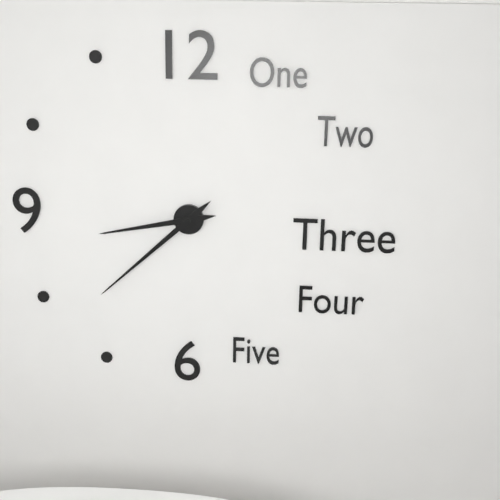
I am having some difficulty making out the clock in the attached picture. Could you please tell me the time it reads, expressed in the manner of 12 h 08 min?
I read 8 h 38 min
